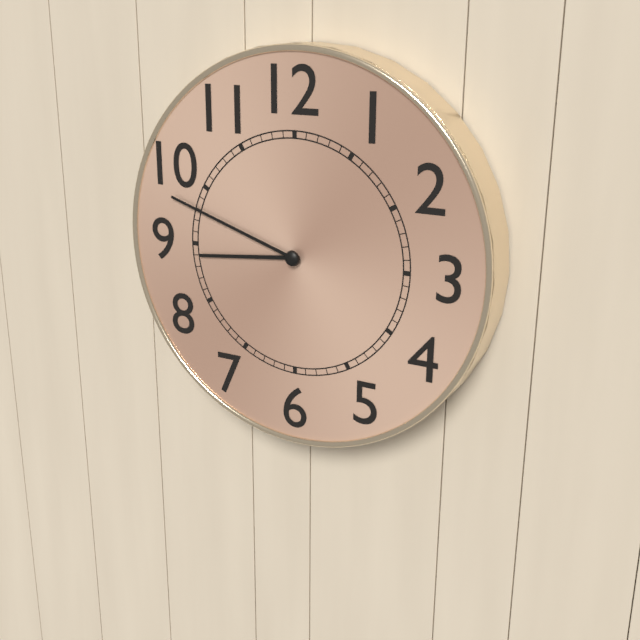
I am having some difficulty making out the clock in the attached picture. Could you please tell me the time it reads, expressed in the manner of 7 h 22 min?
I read 8 h 48 min
